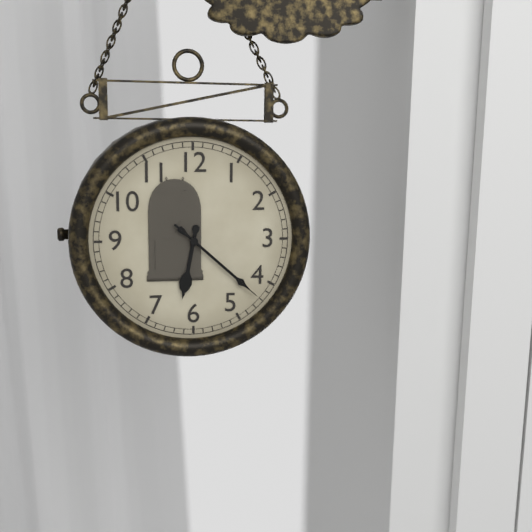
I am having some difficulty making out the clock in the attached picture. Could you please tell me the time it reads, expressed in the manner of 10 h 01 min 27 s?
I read 6 h 22 min 22 s
